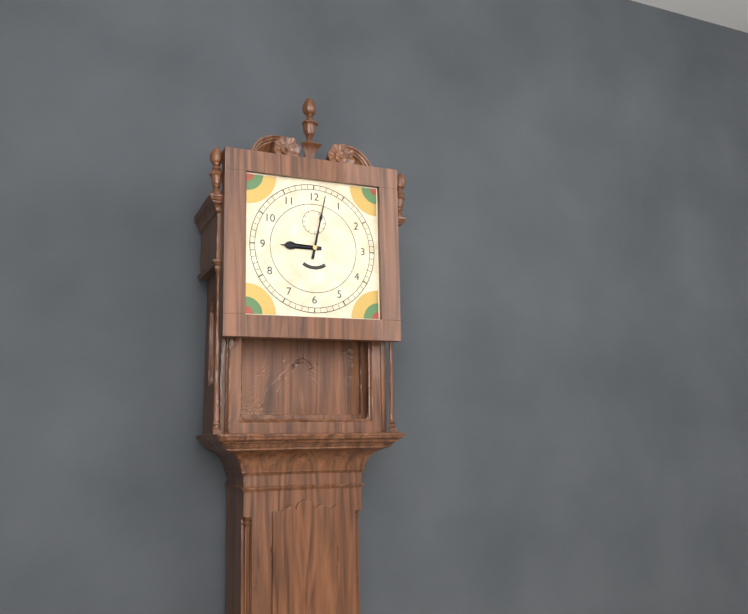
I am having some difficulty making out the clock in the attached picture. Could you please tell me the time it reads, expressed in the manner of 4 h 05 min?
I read 9 h 02 min
